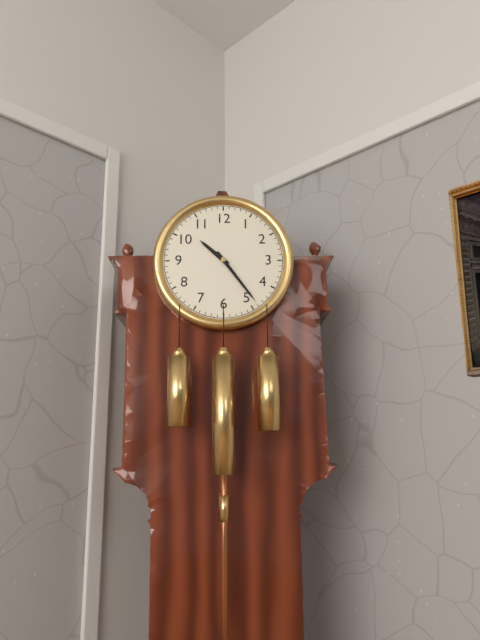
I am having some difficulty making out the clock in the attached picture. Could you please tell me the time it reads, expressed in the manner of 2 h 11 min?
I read 10 h 24 min
